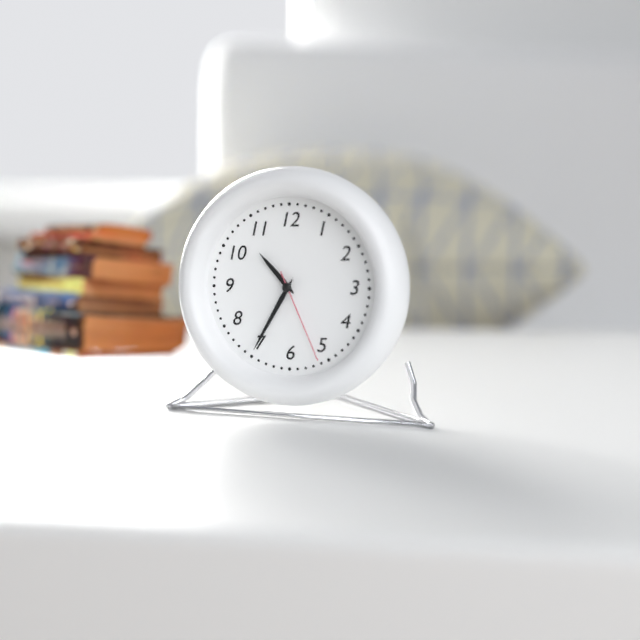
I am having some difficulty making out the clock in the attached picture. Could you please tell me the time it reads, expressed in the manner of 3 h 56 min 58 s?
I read 10 h 35 min 26 s
